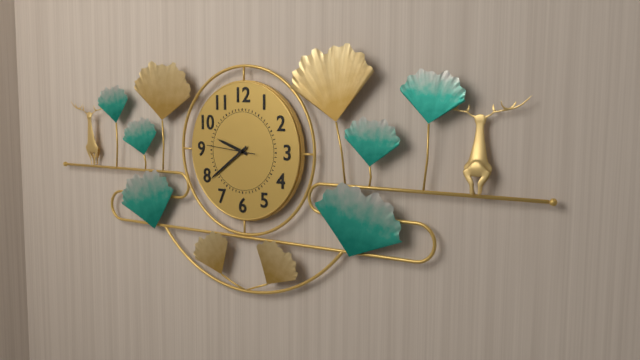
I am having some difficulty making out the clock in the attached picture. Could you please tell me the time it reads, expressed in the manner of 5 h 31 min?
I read 9 h 39 min
